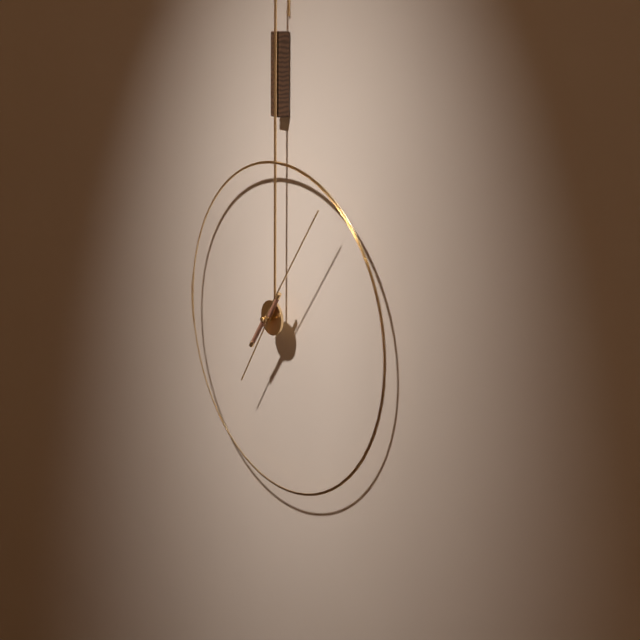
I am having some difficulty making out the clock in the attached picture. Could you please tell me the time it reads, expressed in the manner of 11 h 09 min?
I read 7 h 06 min
